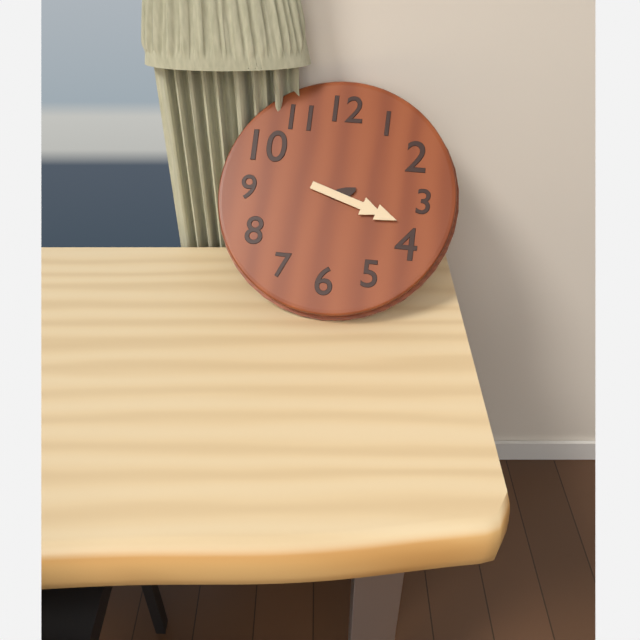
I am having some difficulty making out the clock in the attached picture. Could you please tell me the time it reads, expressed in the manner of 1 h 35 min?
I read 2 h 18 min
